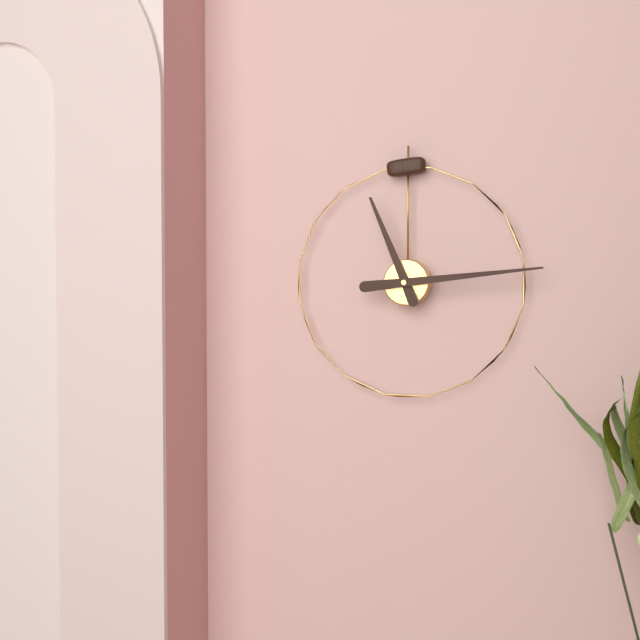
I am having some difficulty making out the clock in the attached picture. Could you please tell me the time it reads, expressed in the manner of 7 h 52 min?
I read 11 h 14 min
